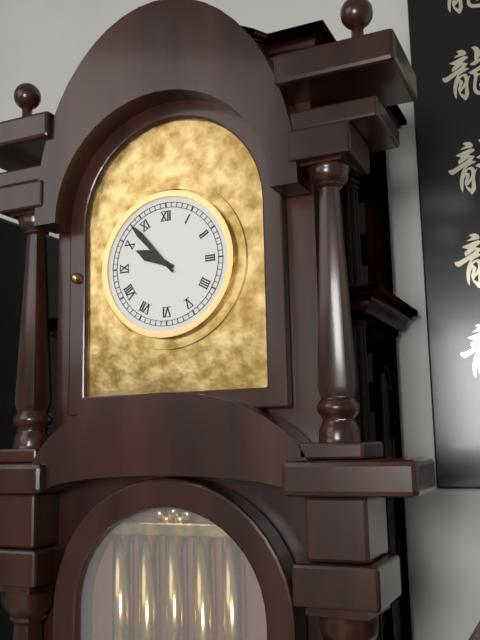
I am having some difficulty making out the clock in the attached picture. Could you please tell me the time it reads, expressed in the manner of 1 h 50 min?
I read 9 h 53 min
